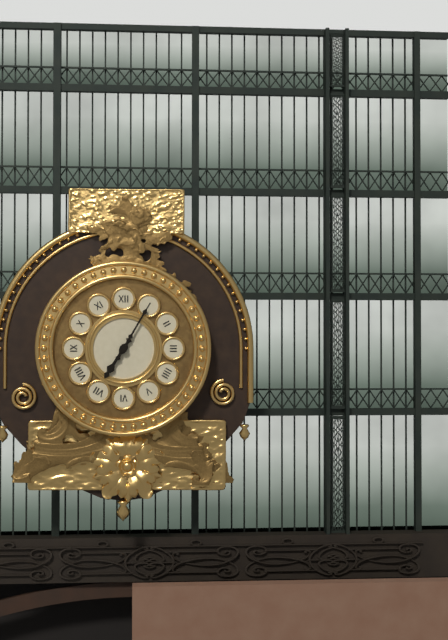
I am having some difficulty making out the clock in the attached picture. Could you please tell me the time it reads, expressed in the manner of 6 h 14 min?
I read 7 h 05 min
